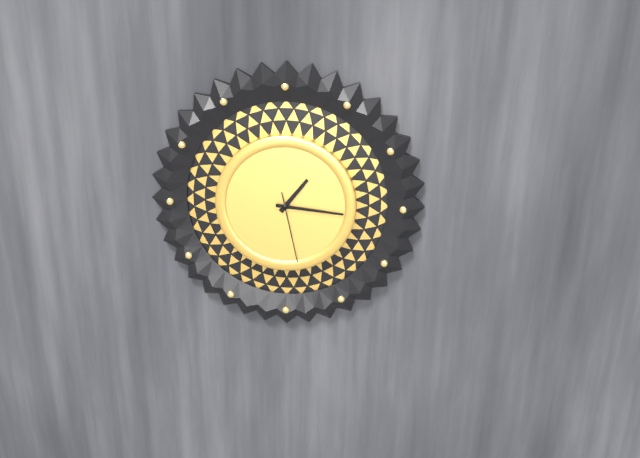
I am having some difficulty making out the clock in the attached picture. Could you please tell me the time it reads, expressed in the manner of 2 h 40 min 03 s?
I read 1 h 16 min 28 s
